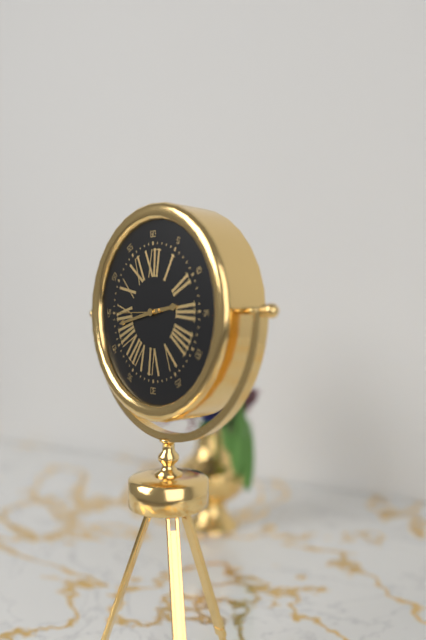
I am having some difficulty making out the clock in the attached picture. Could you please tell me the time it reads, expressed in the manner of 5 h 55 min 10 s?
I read 2 h 43 min 45 s
